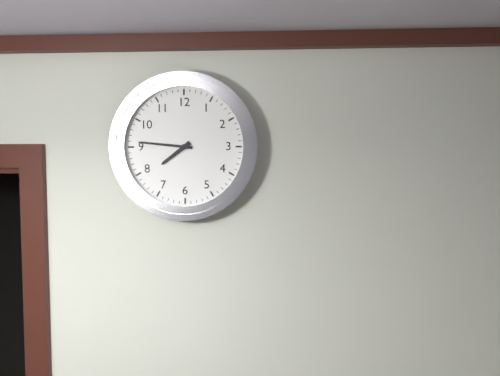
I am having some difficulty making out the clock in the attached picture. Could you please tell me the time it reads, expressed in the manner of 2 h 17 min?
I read 7 h 46 min
